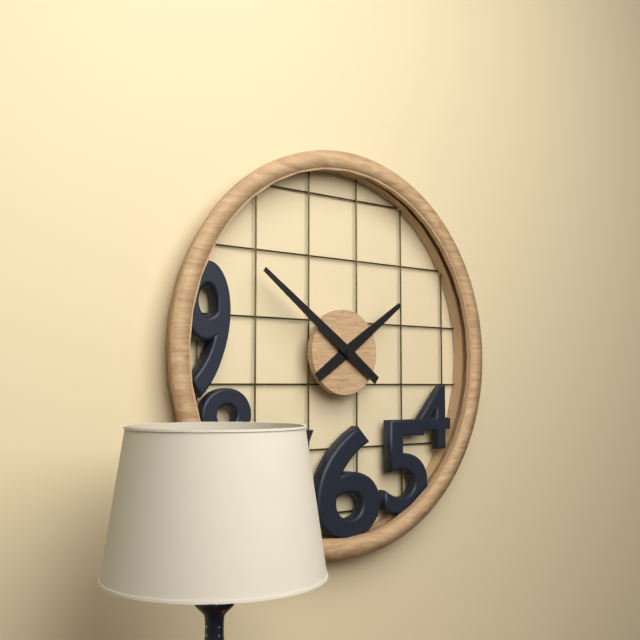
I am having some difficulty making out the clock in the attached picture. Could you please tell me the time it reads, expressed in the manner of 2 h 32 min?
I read 1 h 51 min
